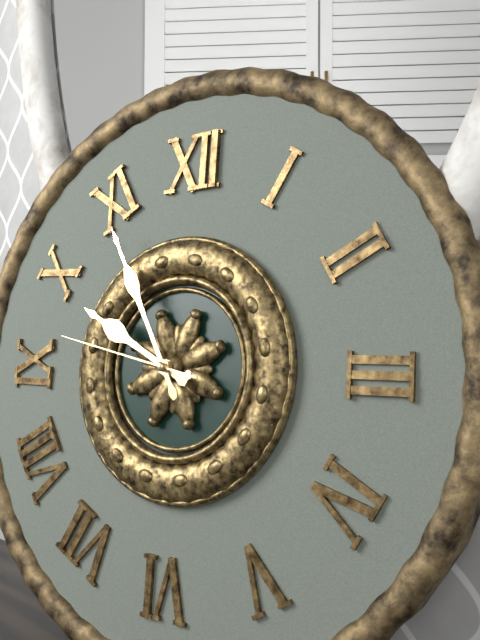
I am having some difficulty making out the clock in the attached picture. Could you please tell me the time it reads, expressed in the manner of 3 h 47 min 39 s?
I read 9 h 55 min 47 s
